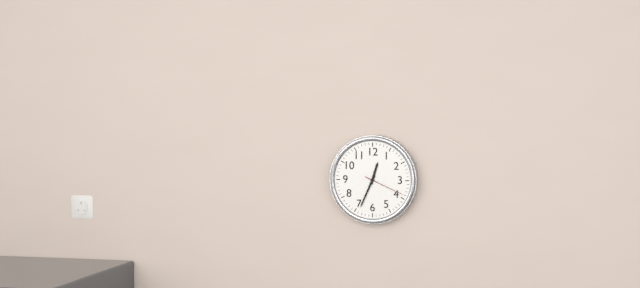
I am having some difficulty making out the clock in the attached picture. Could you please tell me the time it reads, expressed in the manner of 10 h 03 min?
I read 12 h 34 min
